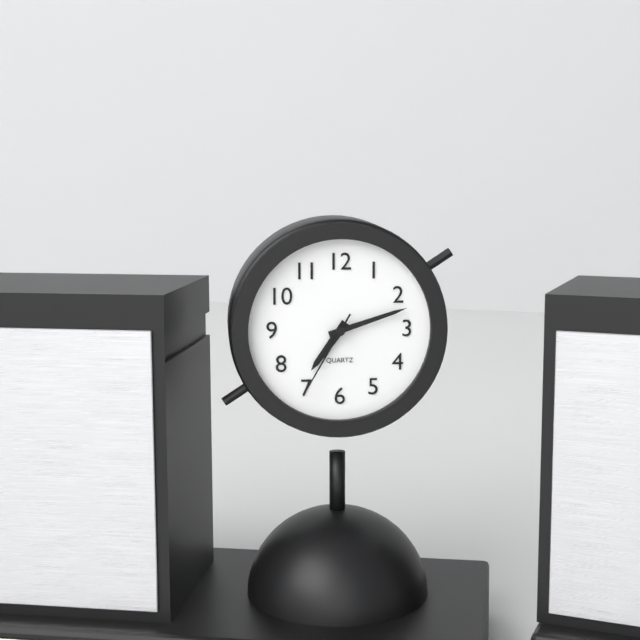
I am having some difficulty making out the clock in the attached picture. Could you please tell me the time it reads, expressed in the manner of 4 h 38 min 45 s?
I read 7 h 12 min 35 s
